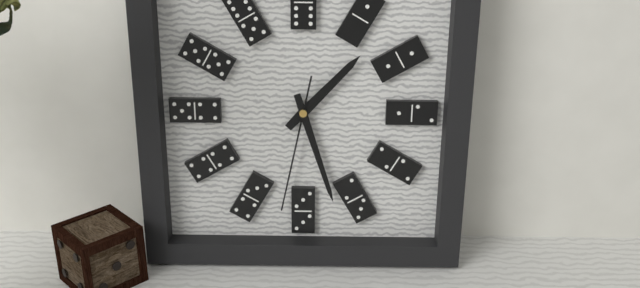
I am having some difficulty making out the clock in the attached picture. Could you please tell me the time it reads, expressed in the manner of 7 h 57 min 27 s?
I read 1 h 27 min 32 s
